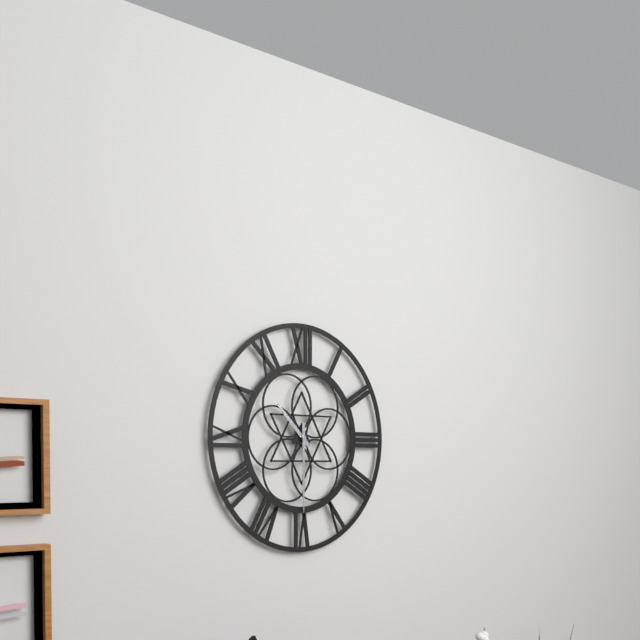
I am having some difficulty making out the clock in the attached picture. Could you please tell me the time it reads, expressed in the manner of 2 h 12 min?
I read 10 h 30 min
